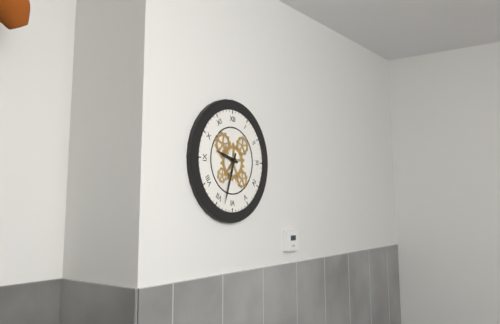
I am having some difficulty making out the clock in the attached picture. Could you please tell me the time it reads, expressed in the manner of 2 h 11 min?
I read 9 h 33 min
